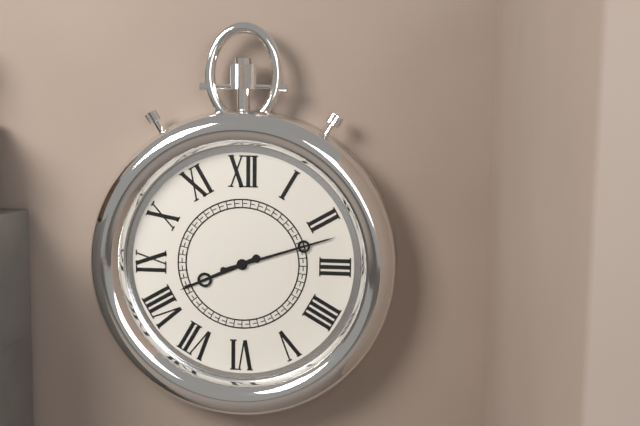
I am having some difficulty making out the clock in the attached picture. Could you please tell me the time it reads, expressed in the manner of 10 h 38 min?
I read 8 h 12 min
